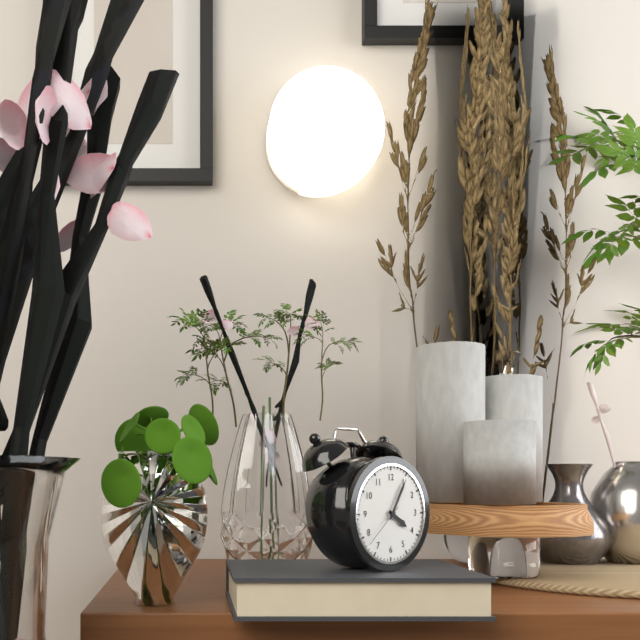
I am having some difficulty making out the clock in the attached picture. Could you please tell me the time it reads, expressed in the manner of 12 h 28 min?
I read 4 h 05 min
